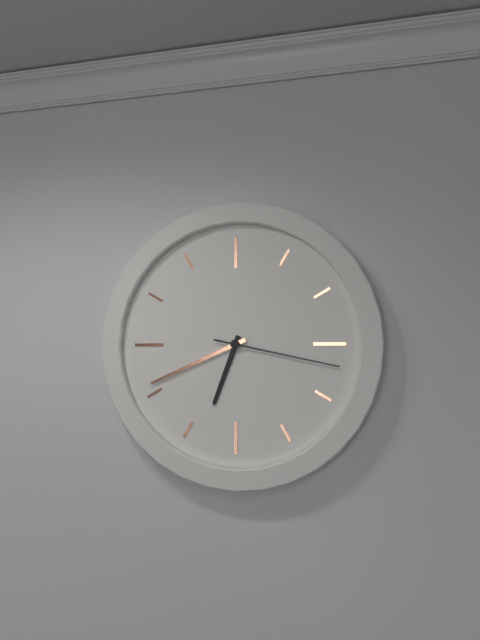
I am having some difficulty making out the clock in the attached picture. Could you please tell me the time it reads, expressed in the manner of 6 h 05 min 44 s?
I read 6 h 41 min 17 s
